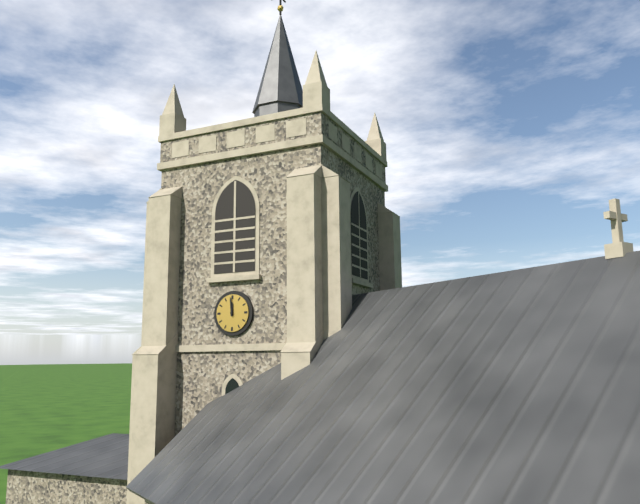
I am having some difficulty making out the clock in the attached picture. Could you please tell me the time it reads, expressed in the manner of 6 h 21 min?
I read 11 h 59 min
